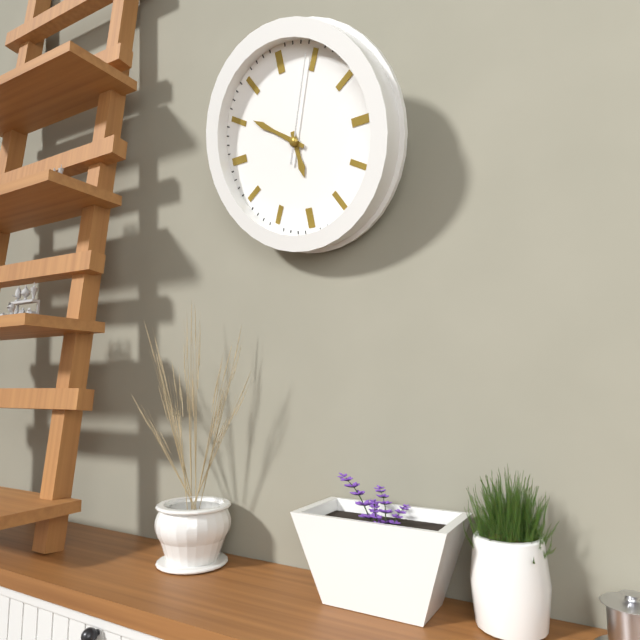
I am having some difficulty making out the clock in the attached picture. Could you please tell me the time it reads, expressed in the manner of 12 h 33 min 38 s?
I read 5 h 51 min 04 s
